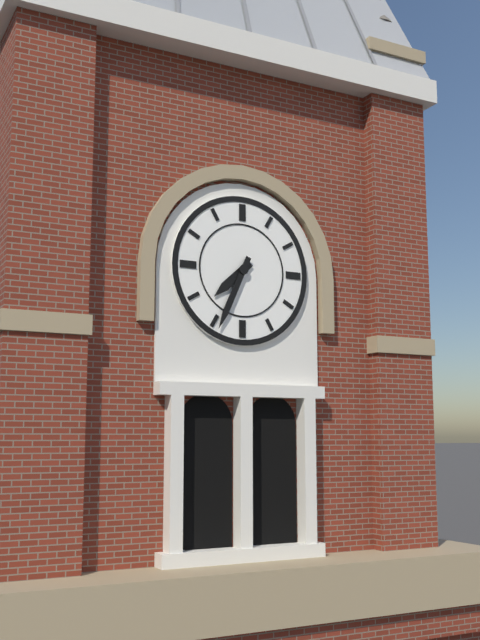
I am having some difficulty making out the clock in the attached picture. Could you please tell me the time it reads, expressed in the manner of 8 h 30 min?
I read 7 h 34 min
